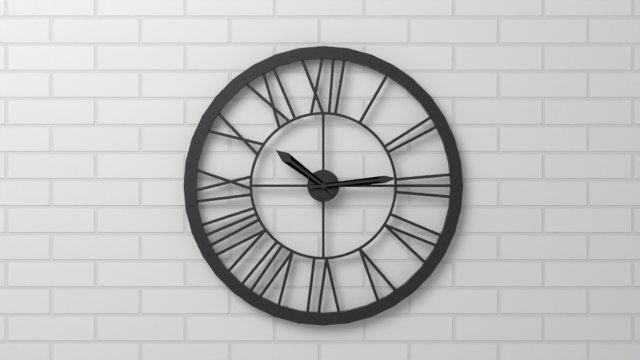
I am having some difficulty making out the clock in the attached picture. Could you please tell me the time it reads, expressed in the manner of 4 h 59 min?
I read 10 h 14 min
